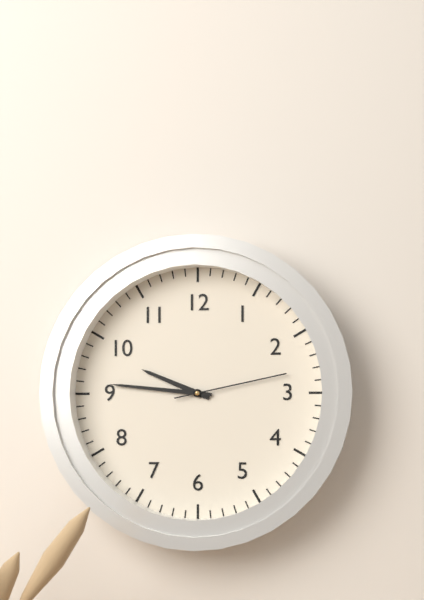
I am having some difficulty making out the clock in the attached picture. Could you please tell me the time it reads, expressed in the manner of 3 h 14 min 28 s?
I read 9 h 46 min 13 s
